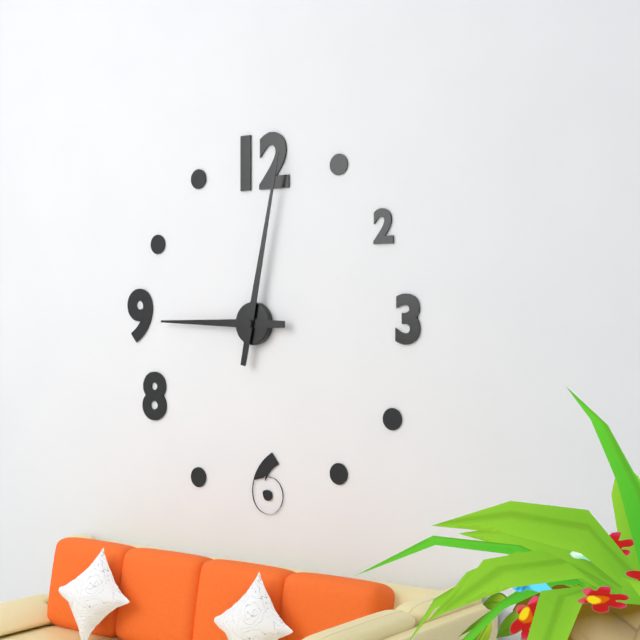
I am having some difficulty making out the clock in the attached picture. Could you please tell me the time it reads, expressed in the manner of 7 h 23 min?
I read 9 h 02 min
